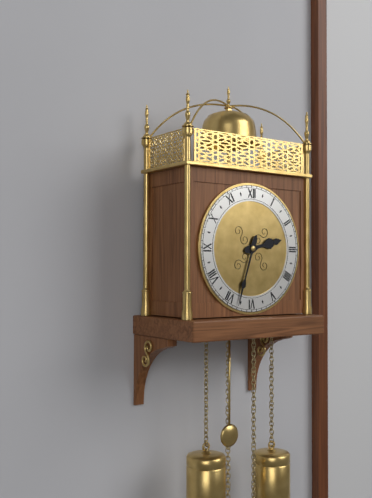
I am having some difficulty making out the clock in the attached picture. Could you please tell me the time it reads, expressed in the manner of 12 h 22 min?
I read 2 h 33 min
